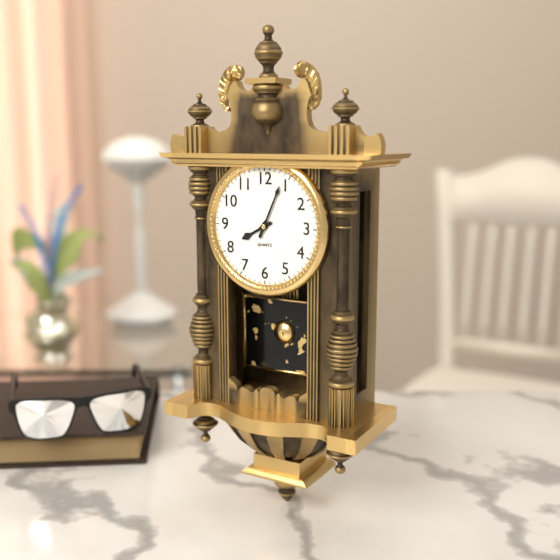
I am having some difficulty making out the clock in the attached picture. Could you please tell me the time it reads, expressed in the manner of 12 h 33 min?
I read 8 h 04 min
